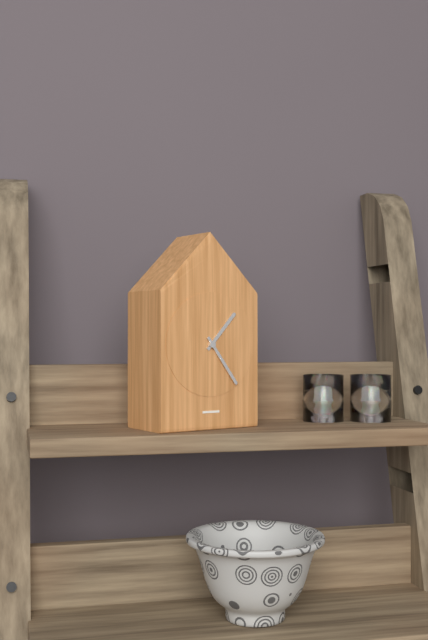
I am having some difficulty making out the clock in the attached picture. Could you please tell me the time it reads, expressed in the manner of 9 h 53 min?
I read 1 h 24 min
